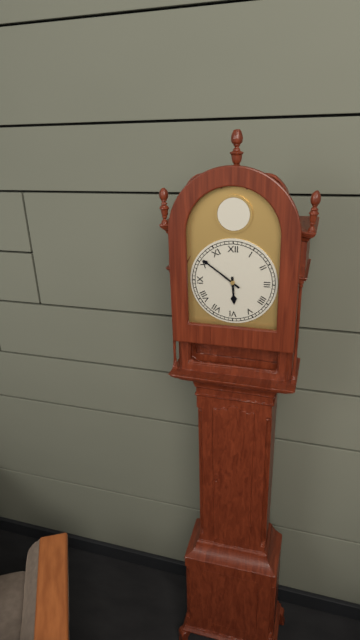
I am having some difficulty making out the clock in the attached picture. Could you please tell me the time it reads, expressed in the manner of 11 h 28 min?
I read 5 h 51 min
